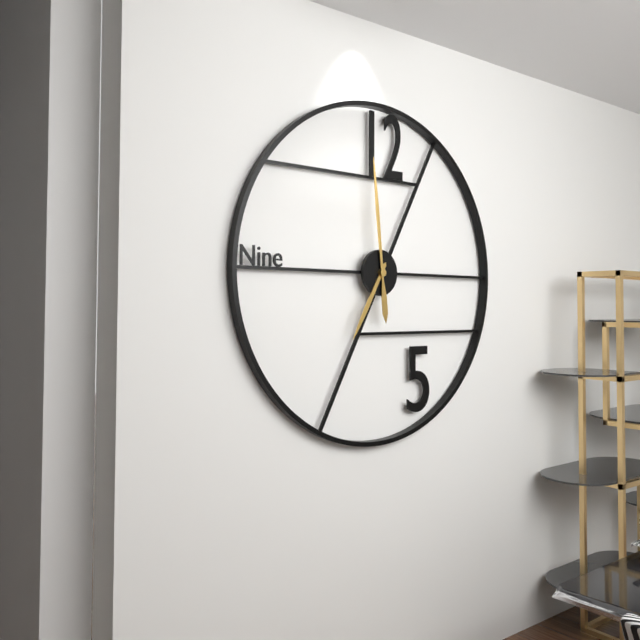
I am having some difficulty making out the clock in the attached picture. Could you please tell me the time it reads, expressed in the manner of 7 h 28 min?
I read 6 h 59 min
